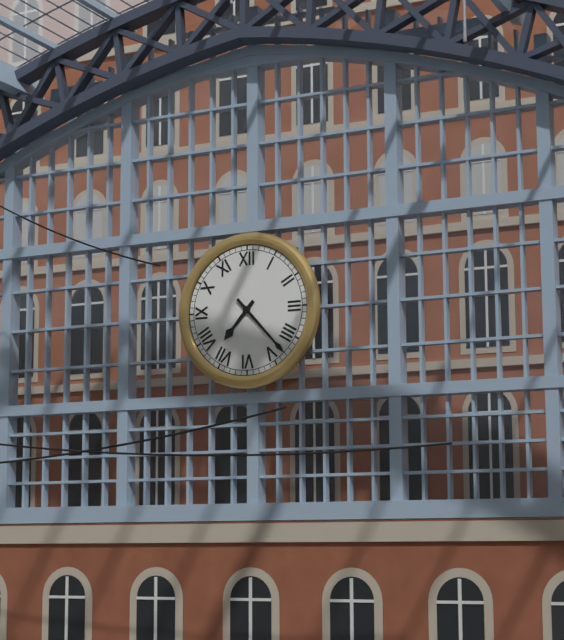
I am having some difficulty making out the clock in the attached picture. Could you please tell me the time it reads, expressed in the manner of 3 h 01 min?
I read 7 h 23 min
